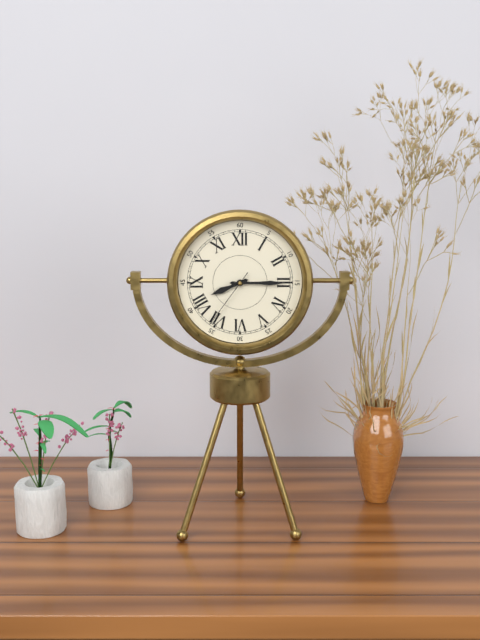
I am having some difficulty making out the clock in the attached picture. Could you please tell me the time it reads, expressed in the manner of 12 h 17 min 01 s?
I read 8 h 15 min 36 s
